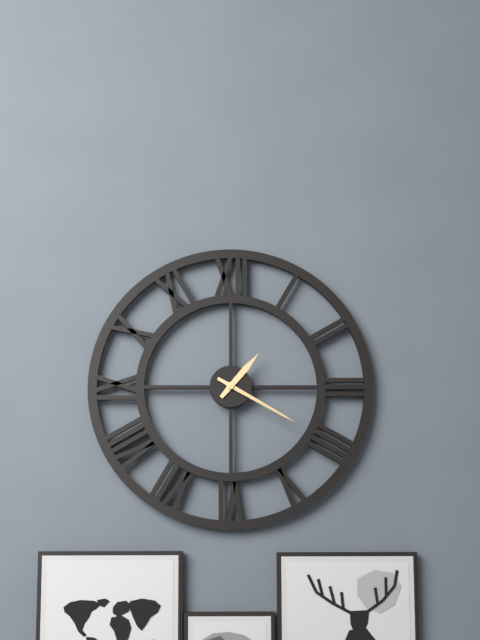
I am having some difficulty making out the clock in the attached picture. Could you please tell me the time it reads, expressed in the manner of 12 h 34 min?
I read 1 h 20 min
